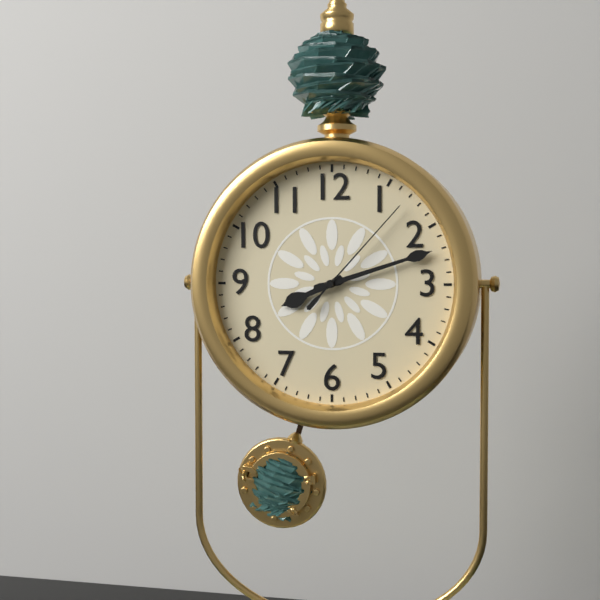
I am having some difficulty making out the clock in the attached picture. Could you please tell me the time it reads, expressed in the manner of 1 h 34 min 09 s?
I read 8 h 12 min 07 s
